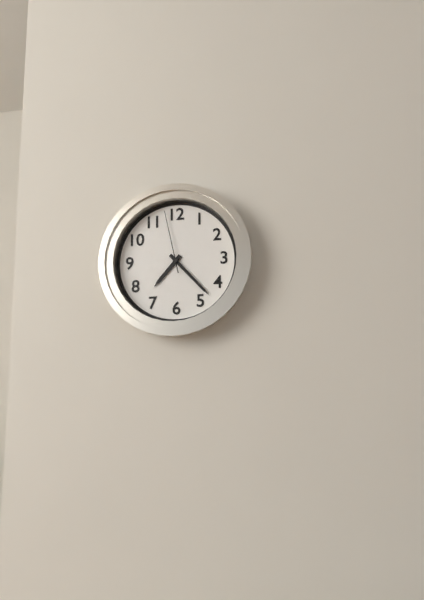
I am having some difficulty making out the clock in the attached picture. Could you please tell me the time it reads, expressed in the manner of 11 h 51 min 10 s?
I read 7 h 23 min 58 s
